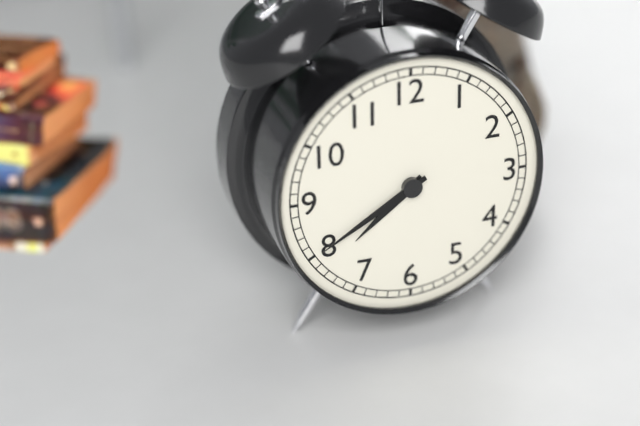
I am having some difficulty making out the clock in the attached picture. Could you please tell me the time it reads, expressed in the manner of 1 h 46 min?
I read 7 h 40 min
